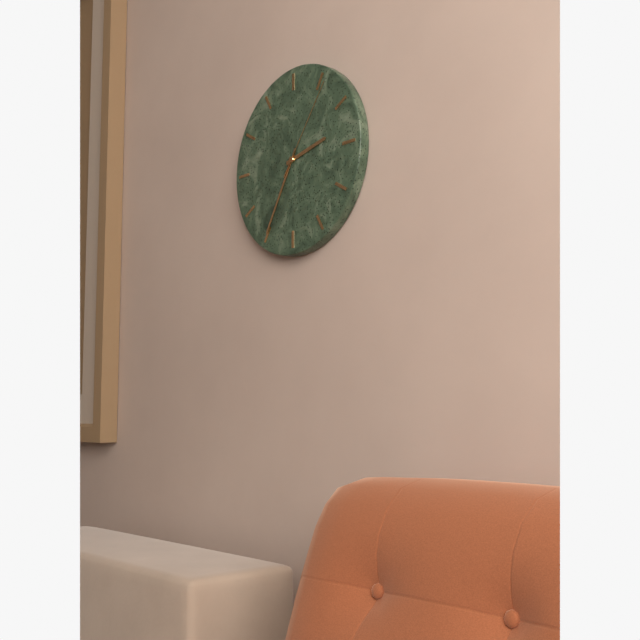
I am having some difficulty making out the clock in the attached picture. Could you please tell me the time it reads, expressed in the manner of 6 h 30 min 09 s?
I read 2 h 35 min 06 s
